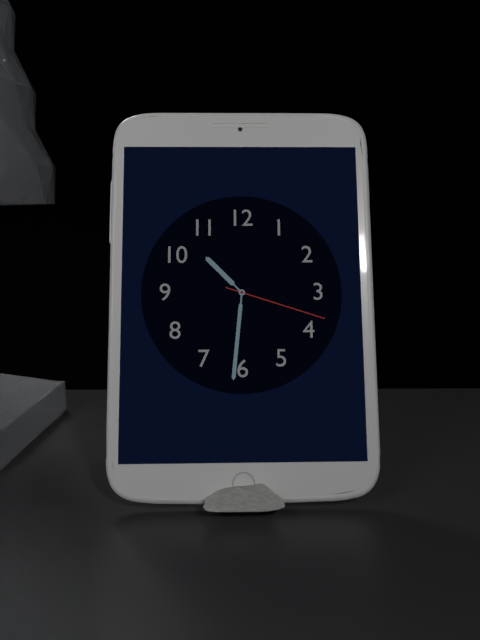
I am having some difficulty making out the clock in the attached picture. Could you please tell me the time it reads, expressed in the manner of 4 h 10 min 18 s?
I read 10 h 31 min 18 s
